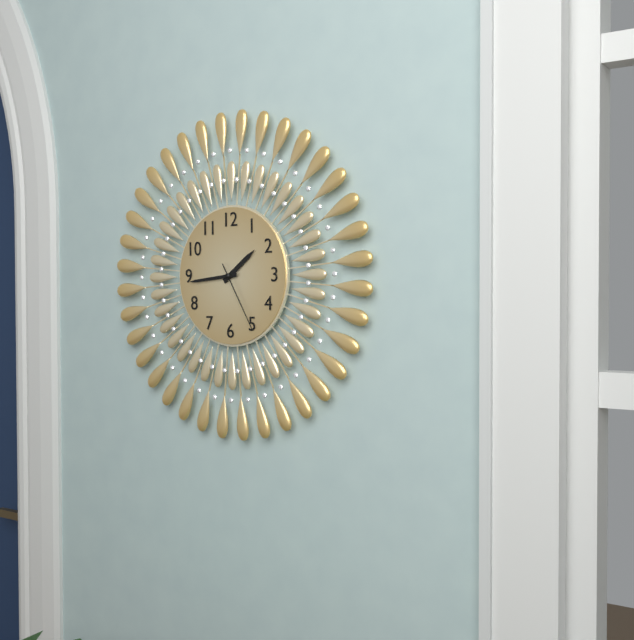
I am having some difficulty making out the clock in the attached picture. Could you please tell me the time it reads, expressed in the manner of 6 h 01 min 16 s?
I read 1 h 44 min 25 s
